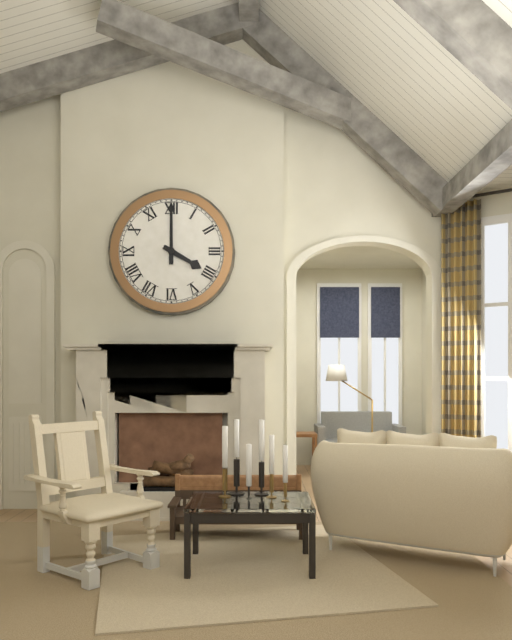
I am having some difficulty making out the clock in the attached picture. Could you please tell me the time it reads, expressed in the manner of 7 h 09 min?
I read 4 h 00 min
